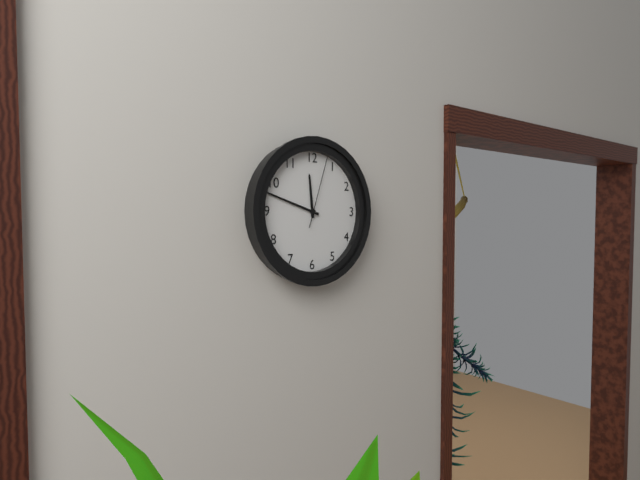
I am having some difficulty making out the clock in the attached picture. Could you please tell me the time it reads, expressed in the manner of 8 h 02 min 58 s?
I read 11 h 48 min 03 s
